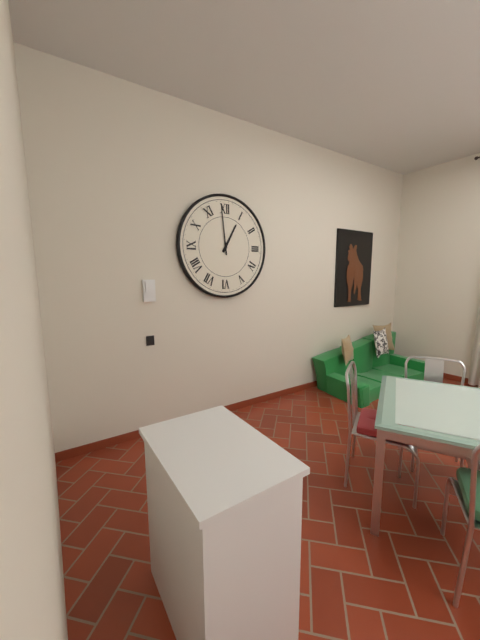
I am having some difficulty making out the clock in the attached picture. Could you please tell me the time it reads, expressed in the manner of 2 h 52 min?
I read 12 h 59 min
